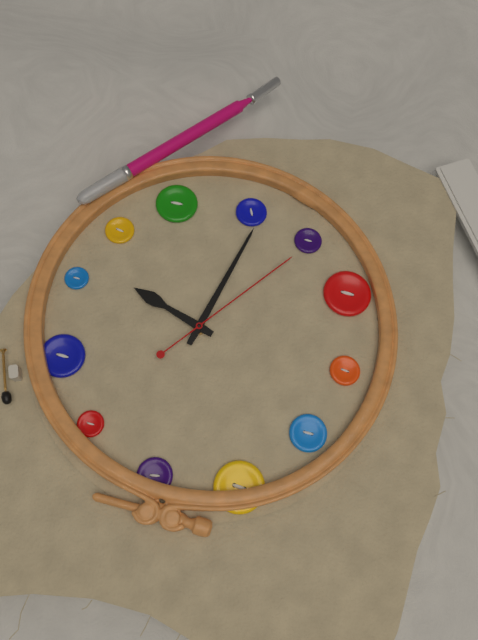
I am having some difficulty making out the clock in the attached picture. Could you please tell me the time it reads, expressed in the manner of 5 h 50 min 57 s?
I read 3 h 32 min 36 s
